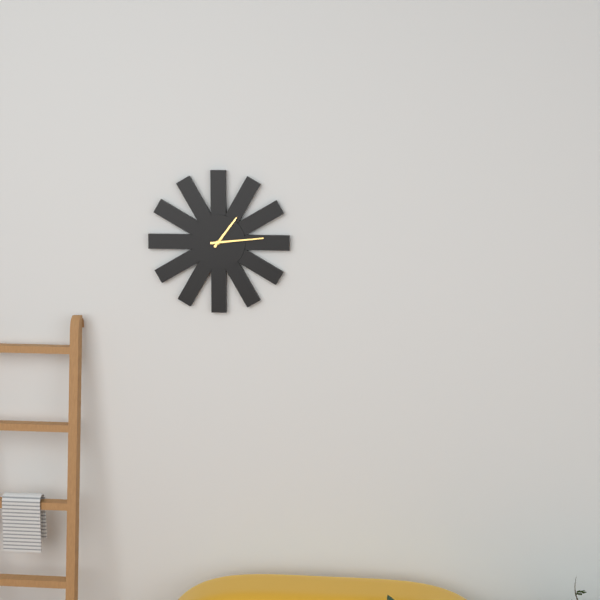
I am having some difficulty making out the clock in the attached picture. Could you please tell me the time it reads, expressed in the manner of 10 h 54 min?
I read 1 h 14 min
